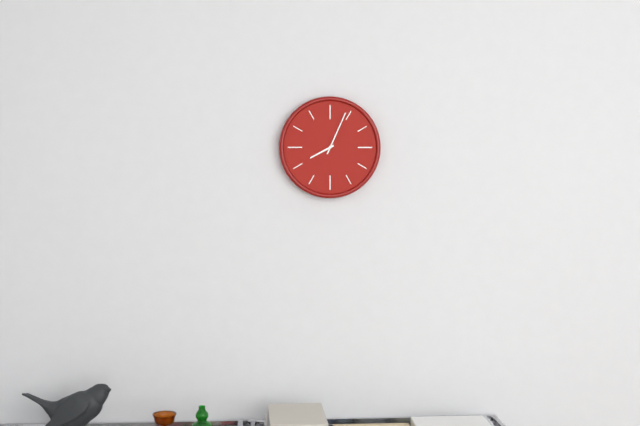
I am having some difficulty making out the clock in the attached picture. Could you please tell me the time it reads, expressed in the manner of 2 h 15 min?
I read 8 h 04 min
